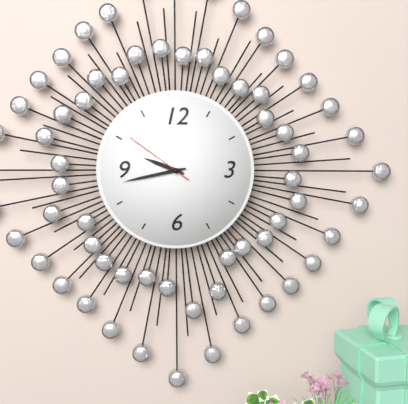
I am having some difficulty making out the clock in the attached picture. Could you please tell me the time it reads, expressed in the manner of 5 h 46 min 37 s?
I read 9 h 43 min 51 s
